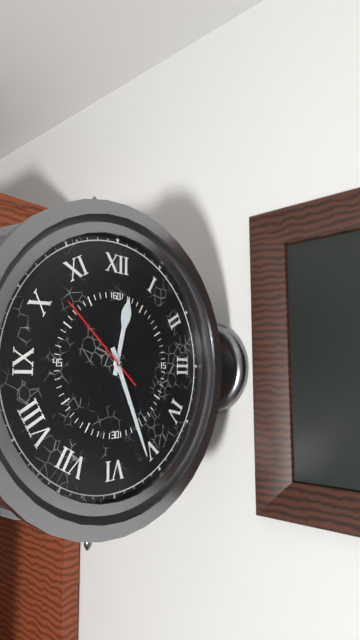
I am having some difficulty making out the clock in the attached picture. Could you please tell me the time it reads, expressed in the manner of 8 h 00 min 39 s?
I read 12 h 26 min 52 s
